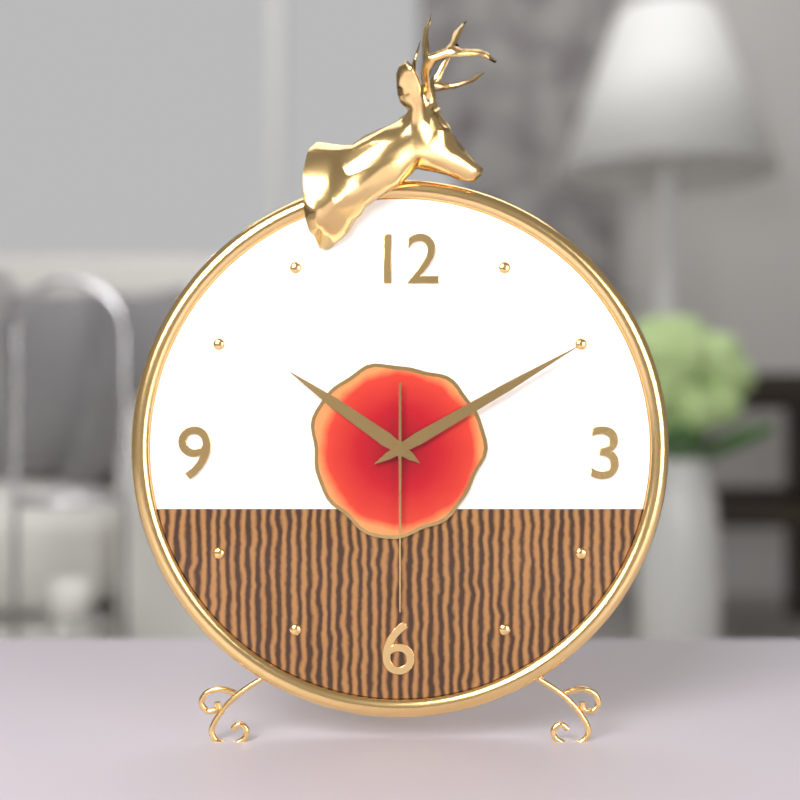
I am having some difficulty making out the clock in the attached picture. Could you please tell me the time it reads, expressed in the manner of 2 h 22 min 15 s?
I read 10 h 10 min 30 s
